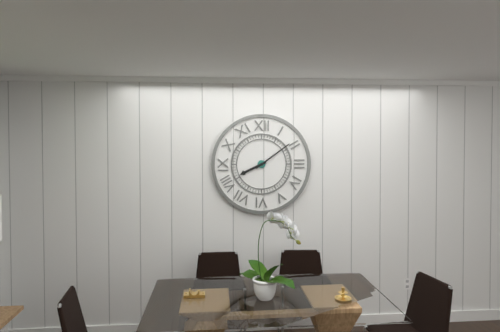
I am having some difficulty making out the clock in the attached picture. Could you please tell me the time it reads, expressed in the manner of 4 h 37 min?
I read 8 h 09 min
